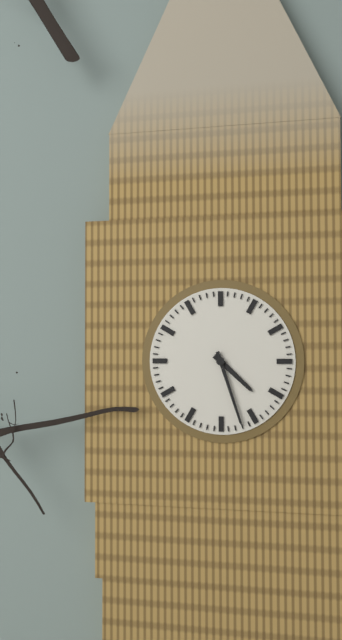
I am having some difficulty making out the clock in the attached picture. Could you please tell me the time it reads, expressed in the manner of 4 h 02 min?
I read 4 h 27 min
